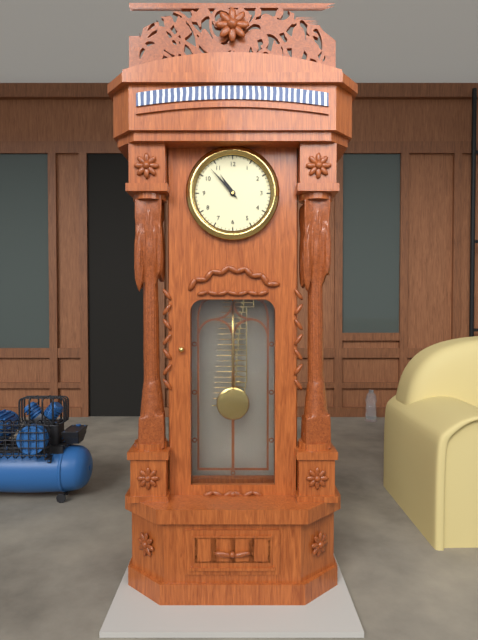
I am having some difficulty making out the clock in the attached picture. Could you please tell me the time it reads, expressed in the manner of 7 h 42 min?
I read 10 h 53 min
